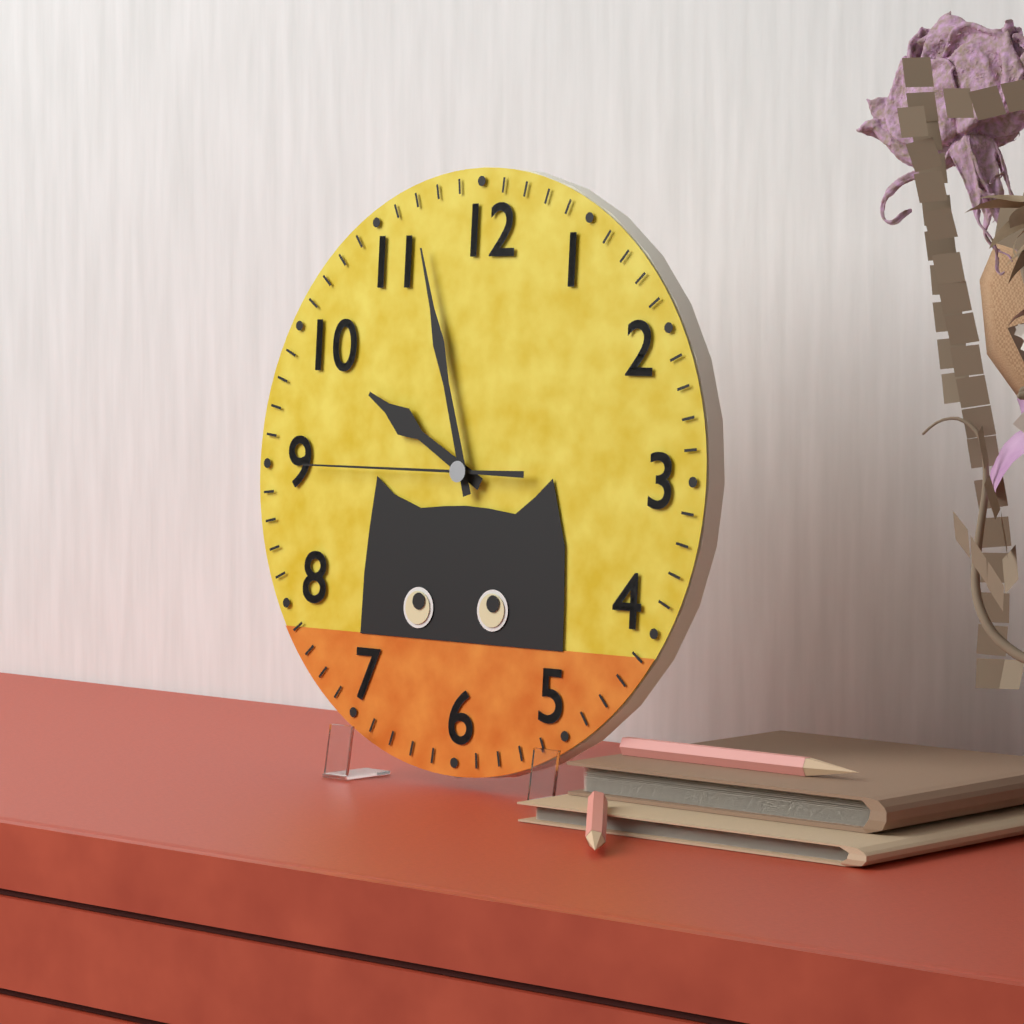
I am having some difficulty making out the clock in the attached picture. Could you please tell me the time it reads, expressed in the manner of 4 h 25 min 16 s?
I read 9 h 57 min 45 s
